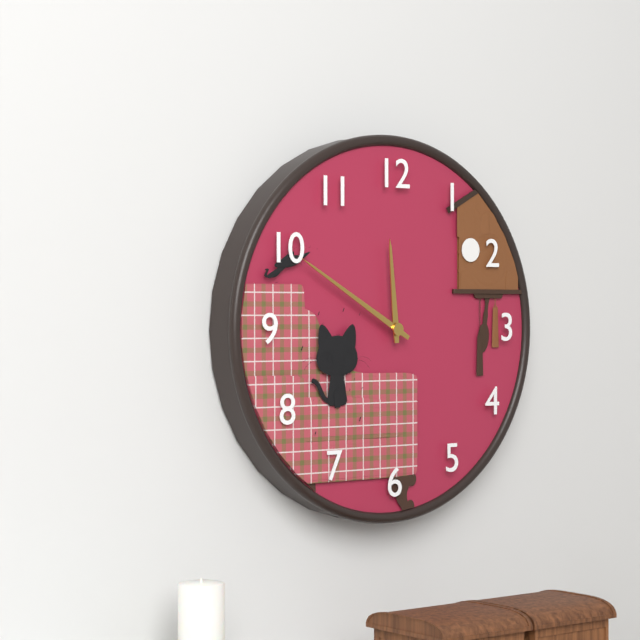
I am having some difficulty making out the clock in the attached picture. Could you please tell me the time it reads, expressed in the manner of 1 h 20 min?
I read 11 h 50 min
